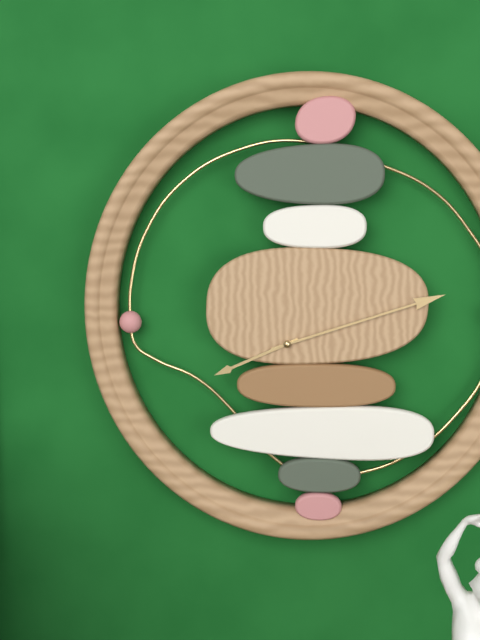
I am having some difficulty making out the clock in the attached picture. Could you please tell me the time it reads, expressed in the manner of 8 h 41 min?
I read 8 h 12 min
